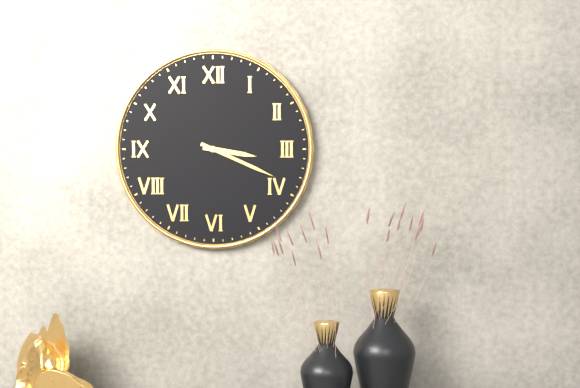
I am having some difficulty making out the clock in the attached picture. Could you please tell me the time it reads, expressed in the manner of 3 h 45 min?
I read 3 h 19 min
